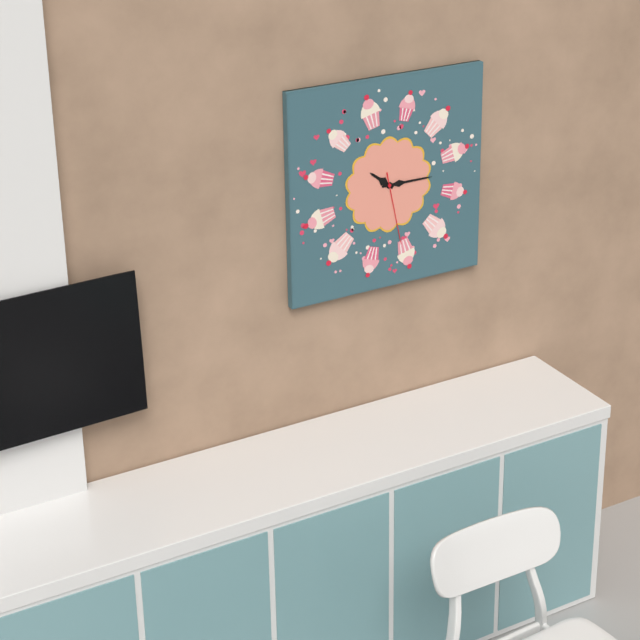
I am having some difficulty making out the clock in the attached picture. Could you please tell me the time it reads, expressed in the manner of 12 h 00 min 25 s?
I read 10 h 15 min 28 s
